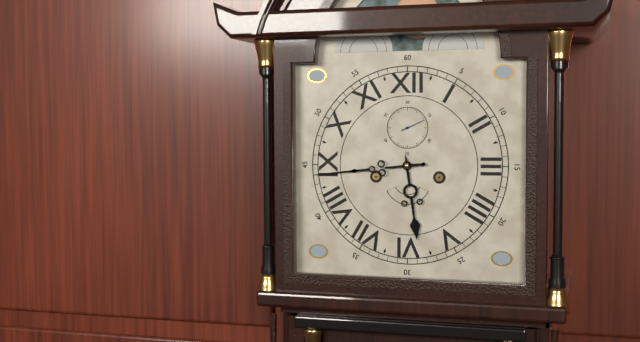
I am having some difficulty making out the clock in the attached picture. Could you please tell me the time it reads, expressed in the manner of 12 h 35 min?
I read 5 h 44 min
